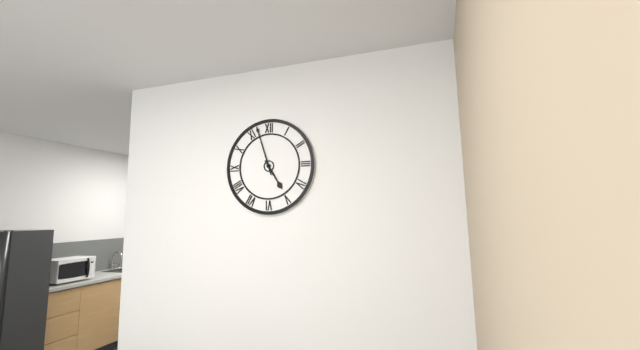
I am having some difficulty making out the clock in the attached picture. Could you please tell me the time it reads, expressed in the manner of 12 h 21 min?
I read 4 h 57 min
